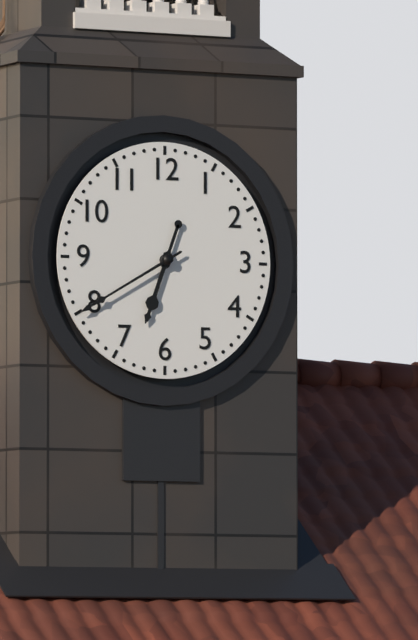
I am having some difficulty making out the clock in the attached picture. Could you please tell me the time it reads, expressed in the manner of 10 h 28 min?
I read 6 h 40 min
